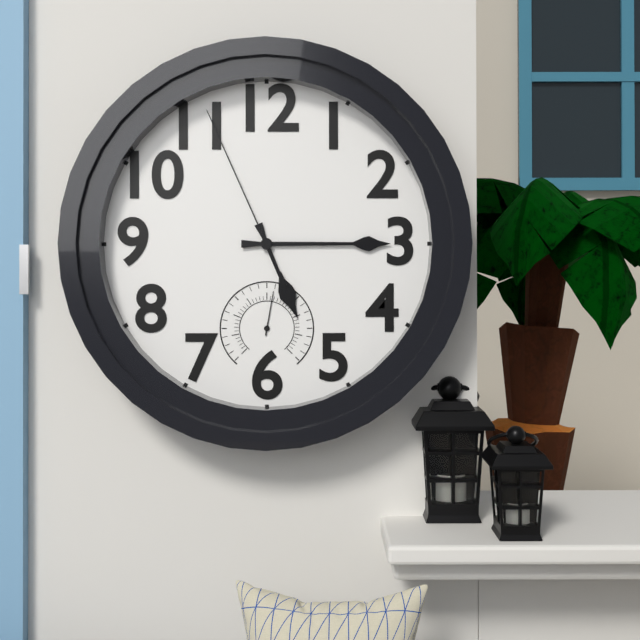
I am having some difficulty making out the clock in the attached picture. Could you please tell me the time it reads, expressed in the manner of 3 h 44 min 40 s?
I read 5 h 15 min 56 s
